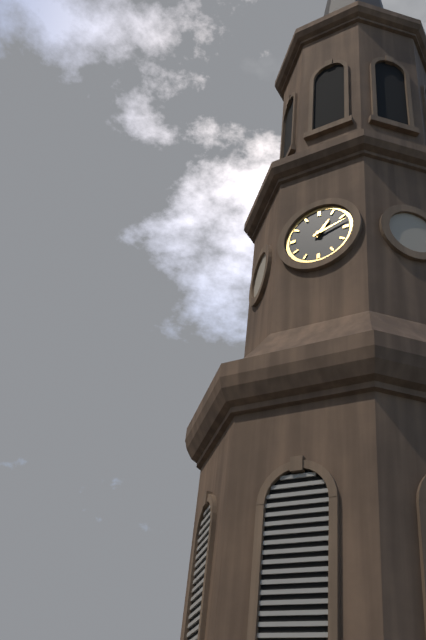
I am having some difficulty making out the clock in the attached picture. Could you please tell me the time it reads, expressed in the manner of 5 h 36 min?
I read 1 h 12 min
